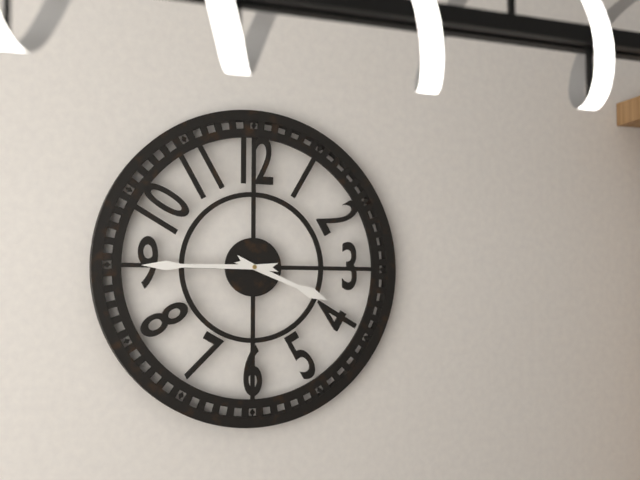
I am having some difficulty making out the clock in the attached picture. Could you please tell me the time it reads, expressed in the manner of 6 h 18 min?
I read 3 h 45 min
